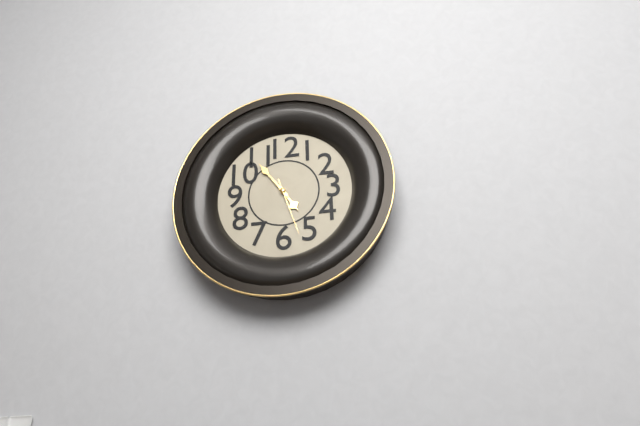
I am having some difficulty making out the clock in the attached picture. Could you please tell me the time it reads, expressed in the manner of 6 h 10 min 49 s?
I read 4 h 54 min 27 s
